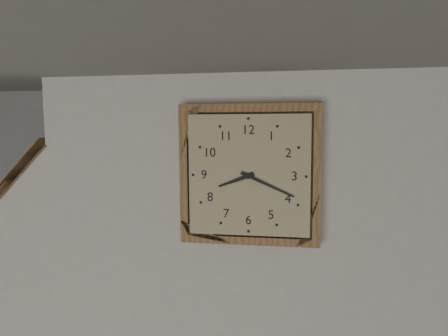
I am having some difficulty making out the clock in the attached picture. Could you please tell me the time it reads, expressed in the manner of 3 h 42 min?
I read 8 h 19 min
